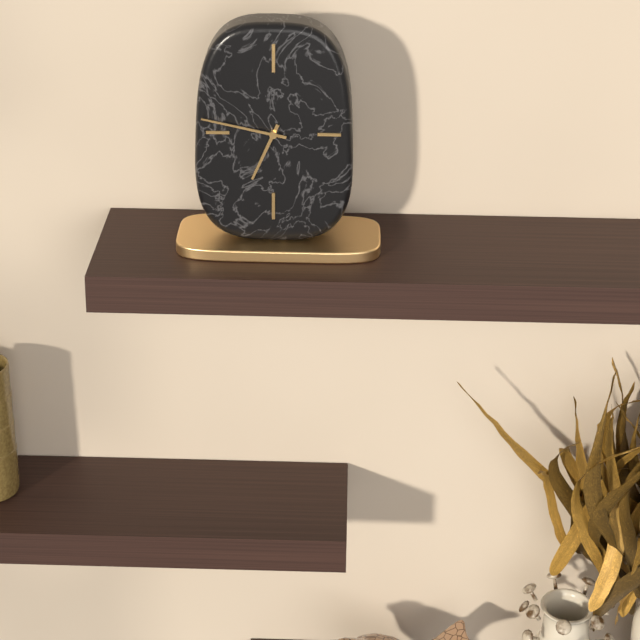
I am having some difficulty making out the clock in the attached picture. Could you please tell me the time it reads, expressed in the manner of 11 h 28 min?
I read 6 h 47 min
